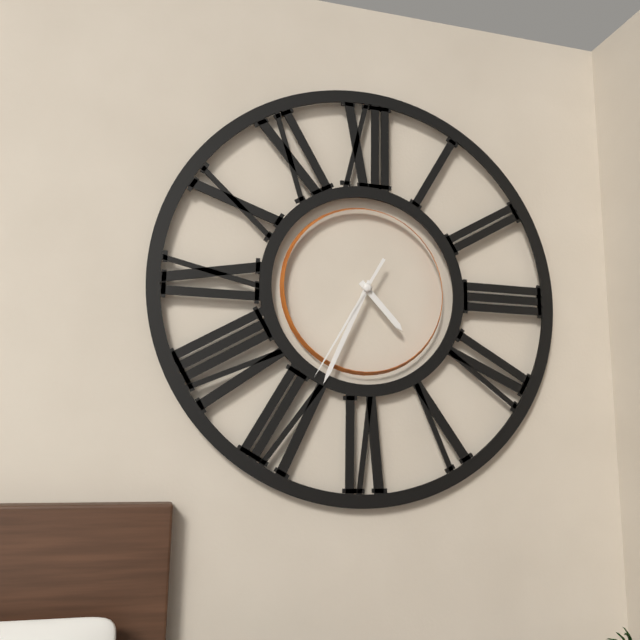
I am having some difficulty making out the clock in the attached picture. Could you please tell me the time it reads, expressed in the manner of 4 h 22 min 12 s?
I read 4 h 34 min 35 s
